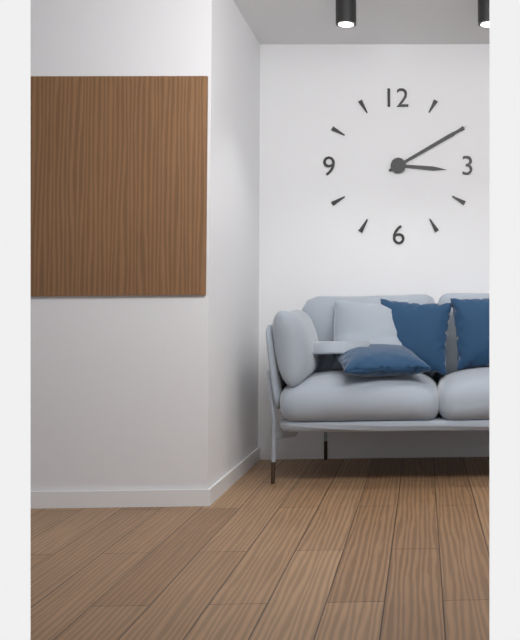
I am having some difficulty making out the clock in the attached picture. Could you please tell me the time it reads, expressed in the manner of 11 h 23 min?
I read 3 h 10 min
